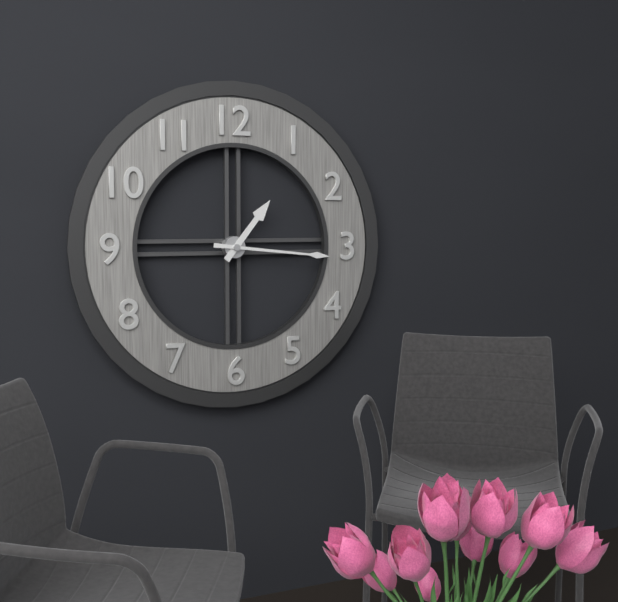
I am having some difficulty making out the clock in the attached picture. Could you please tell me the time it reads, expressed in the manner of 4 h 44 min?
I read 1 h 16 min
